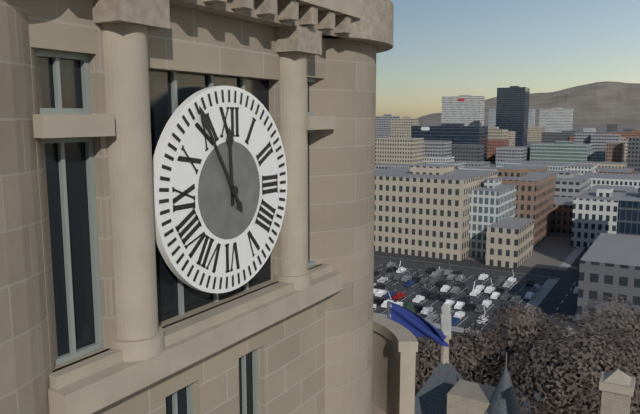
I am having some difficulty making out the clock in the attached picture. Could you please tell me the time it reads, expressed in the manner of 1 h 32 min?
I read 11 h 55 min
